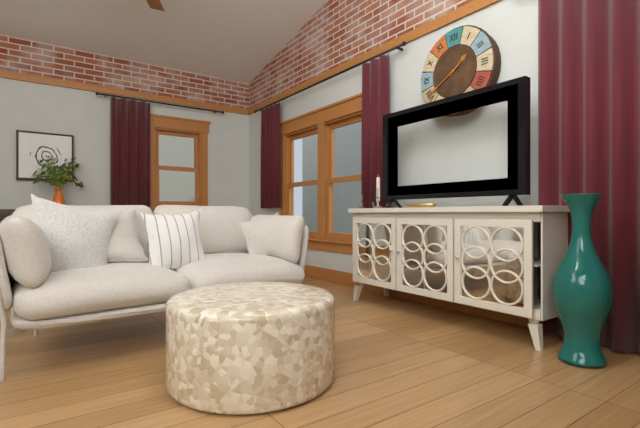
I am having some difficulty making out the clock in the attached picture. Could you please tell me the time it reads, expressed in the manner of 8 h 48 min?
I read 1 h 40 min
